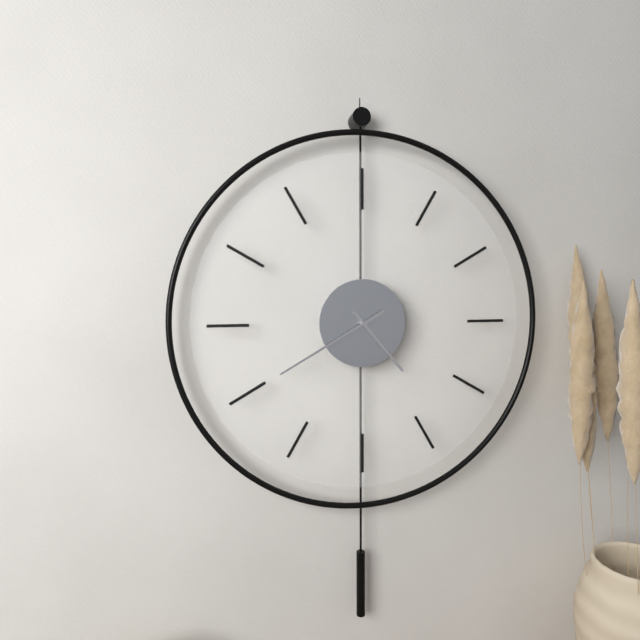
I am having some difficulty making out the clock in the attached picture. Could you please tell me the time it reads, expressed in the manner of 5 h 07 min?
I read 4 h 40 min
